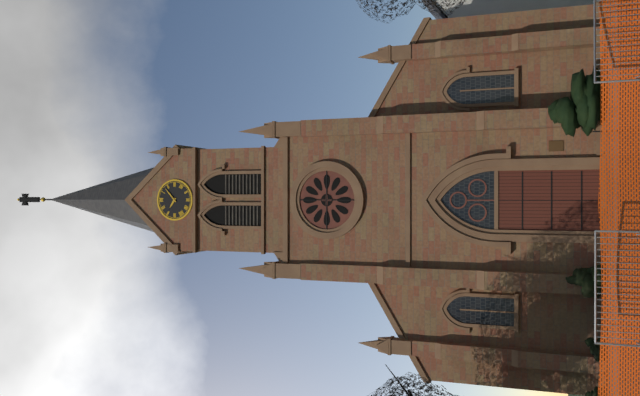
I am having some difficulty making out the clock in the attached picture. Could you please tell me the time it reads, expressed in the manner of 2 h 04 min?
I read 10 h 08 min
